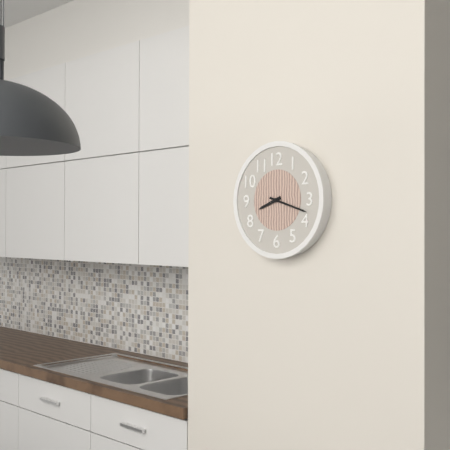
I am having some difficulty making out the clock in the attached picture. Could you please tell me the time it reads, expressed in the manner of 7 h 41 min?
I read 8 h 18 min
